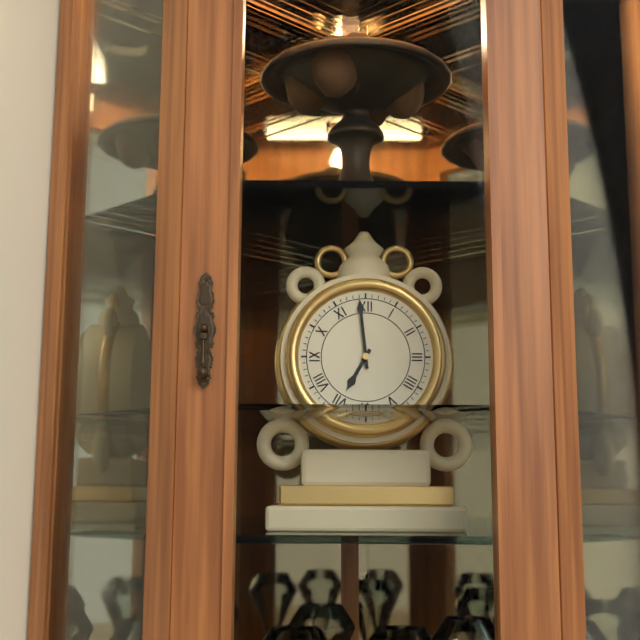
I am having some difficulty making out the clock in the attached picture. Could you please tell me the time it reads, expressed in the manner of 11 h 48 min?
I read 6 h 59 min
